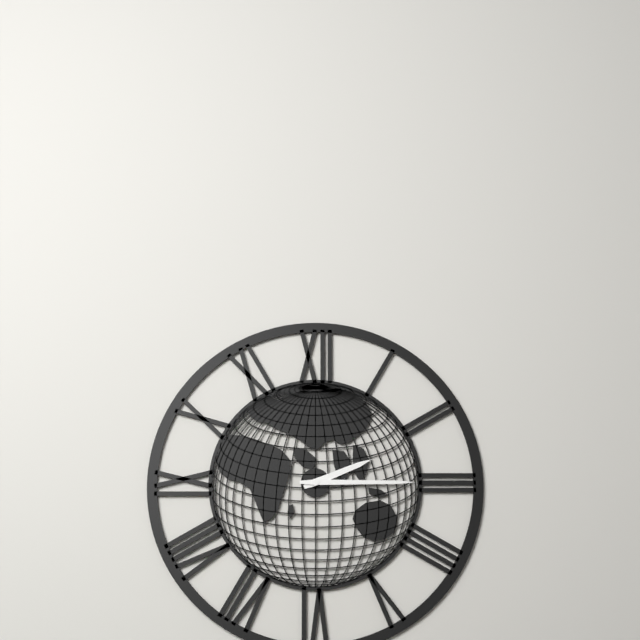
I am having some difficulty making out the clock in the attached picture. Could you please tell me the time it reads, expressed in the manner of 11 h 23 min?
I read 2 h 15 min
